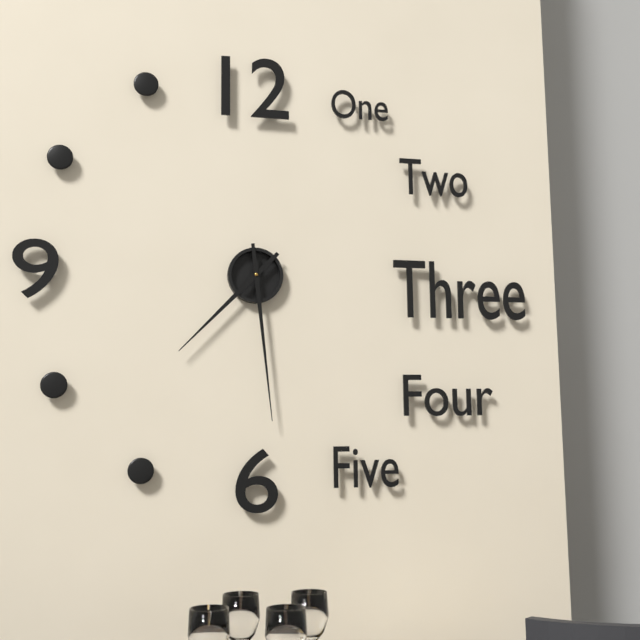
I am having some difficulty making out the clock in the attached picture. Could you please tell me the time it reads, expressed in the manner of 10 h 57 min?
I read 7 h 29 min
